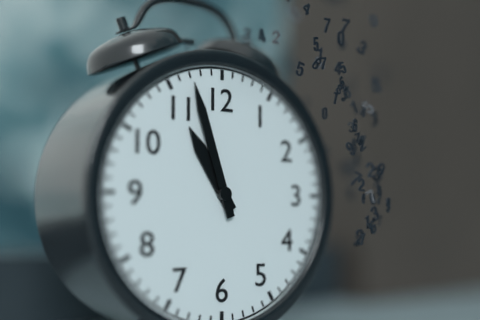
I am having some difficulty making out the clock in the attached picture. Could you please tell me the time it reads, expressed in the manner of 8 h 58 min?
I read 10 h 57 min
